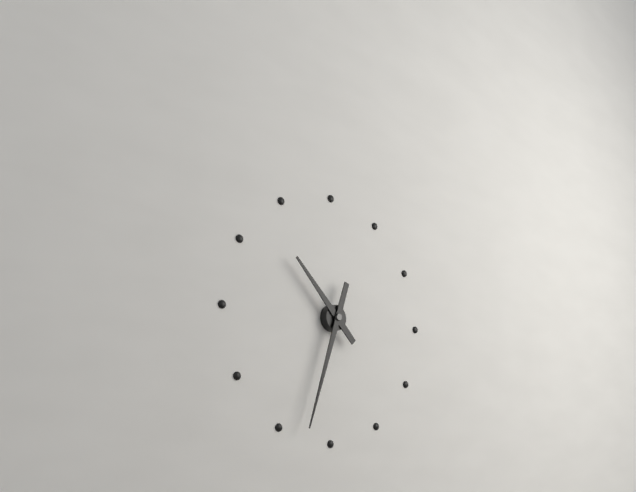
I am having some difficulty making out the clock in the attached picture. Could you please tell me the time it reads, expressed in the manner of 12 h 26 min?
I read 10 h 33 min
